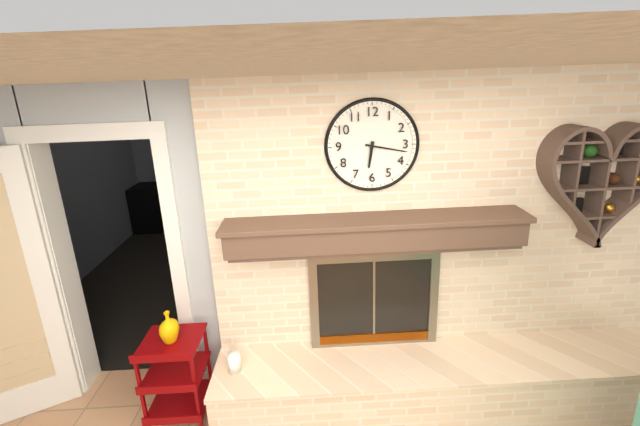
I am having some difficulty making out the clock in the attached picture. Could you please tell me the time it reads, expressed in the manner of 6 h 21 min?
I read 6 h 17 min
